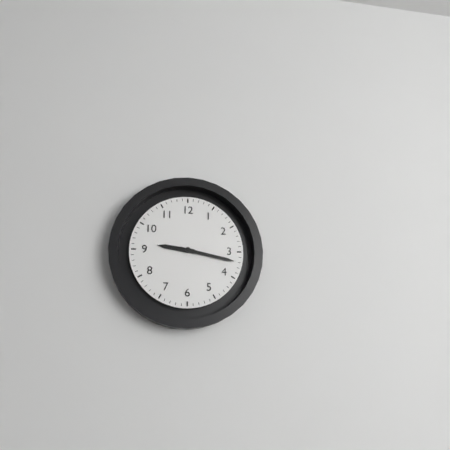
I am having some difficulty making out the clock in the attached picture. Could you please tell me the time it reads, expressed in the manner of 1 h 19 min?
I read 9 h 17 min
